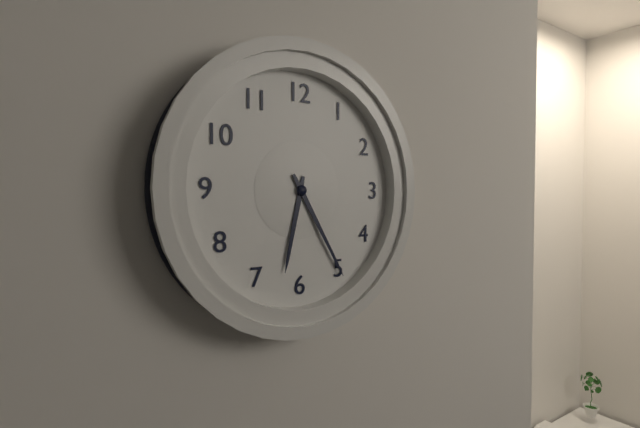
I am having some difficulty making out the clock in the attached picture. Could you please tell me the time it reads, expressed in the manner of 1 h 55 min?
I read 6 h 25 min
